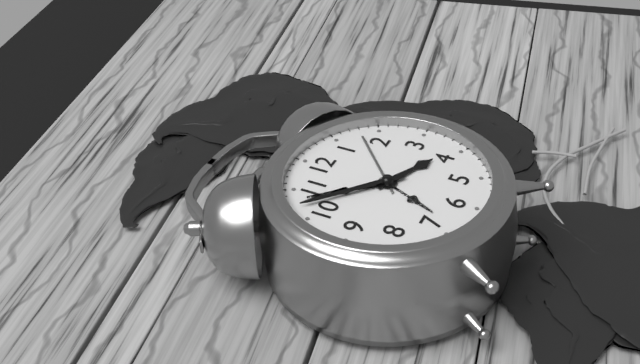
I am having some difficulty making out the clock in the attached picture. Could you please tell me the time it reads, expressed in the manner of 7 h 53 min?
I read 3 h 52 min
